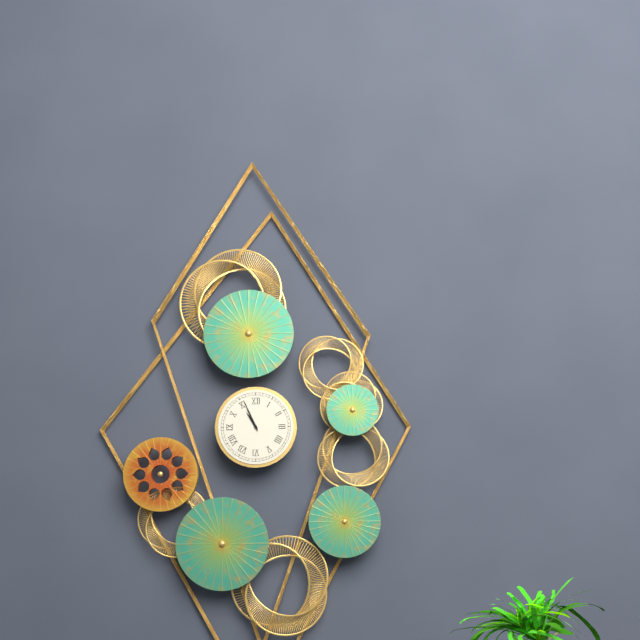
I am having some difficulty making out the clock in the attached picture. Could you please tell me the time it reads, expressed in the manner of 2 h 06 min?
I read 10 h 56 min
